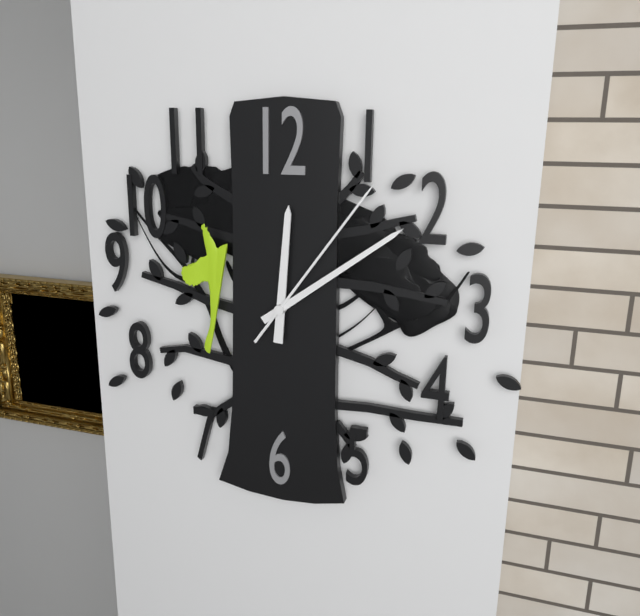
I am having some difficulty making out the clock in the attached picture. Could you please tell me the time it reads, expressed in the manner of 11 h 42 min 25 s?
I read 12 h 09 min 06 s
